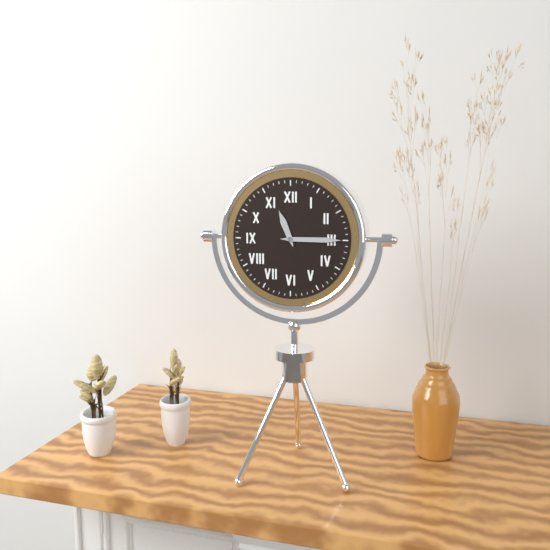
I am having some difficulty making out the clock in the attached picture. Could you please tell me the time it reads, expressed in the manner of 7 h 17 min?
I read 11 h 15 min
